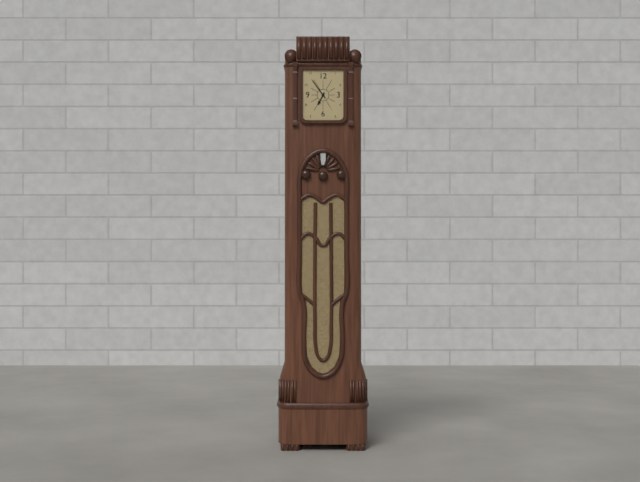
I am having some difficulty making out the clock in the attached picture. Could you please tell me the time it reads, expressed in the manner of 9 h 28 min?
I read 6 h 54 min
